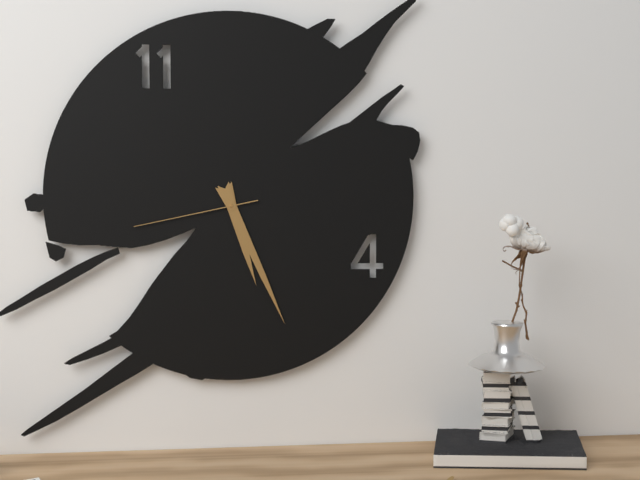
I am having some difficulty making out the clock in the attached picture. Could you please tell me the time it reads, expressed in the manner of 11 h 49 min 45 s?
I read 5 h 26 min 43 s
